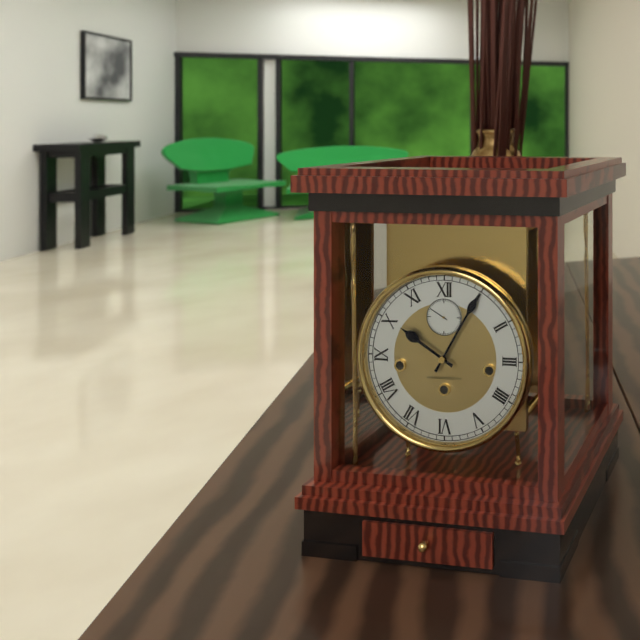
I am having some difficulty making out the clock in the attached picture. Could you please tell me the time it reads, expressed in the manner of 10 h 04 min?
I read 10 h 05 min
